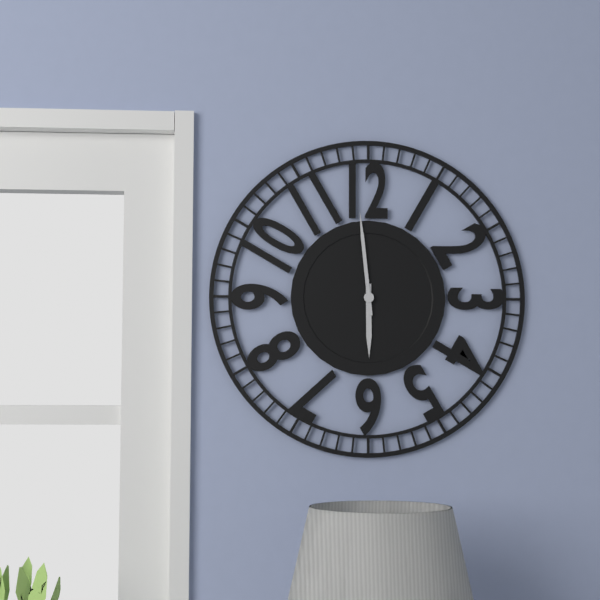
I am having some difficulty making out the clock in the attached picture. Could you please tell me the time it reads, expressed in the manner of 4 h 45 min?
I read 5 h 59 min
